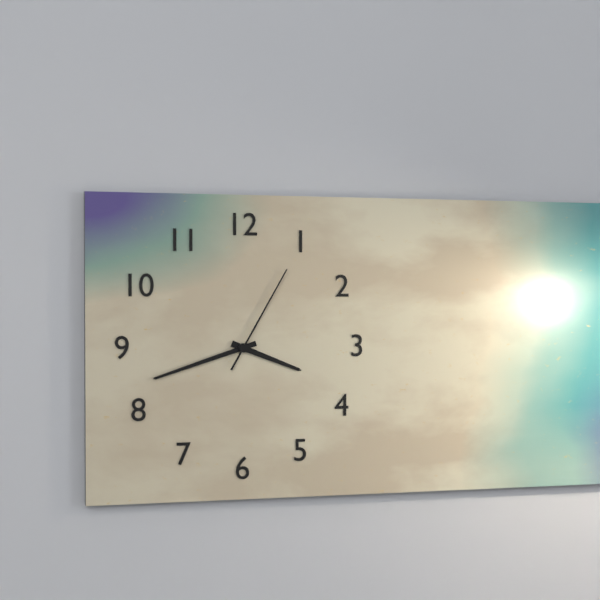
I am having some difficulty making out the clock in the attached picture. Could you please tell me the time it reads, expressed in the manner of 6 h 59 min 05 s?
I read 3 h 42 min 05 s
